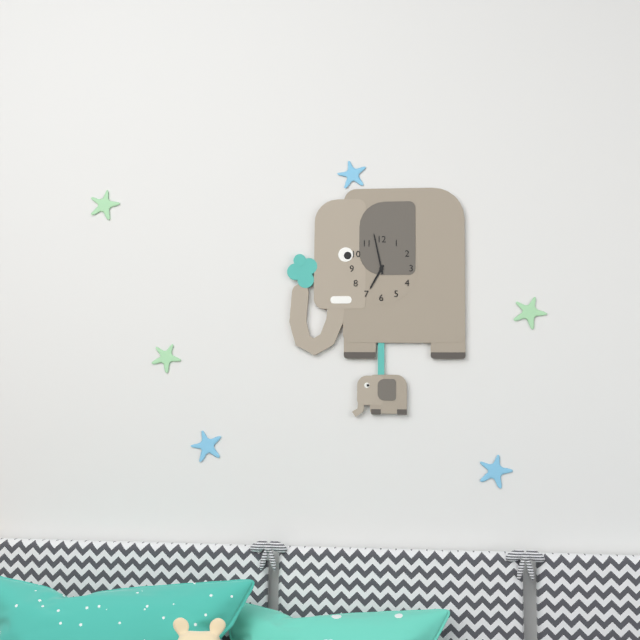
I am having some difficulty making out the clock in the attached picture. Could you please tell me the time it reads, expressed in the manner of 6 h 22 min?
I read 6 h 58 min
